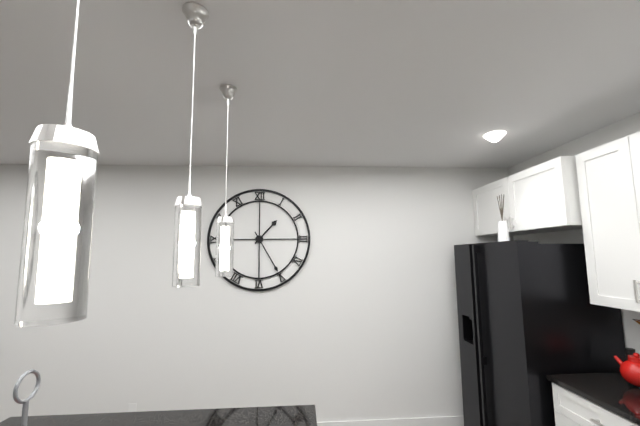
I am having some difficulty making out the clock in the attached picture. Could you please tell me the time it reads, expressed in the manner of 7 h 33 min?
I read 1 h 25 min
